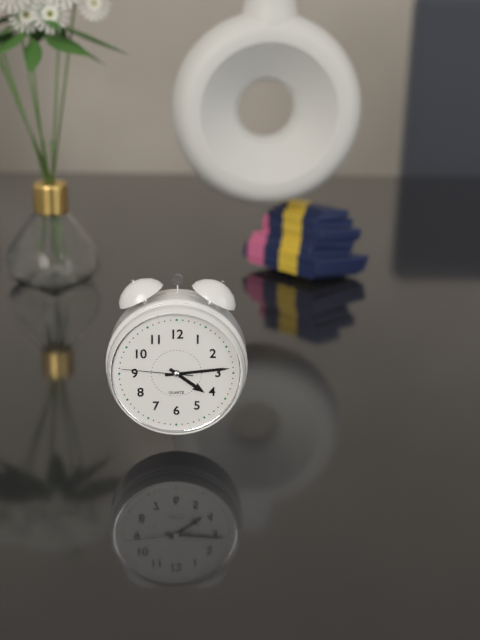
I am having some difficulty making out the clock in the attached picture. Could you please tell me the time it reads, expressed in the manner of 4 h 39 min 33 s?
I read 4 h 14 min 46 s
